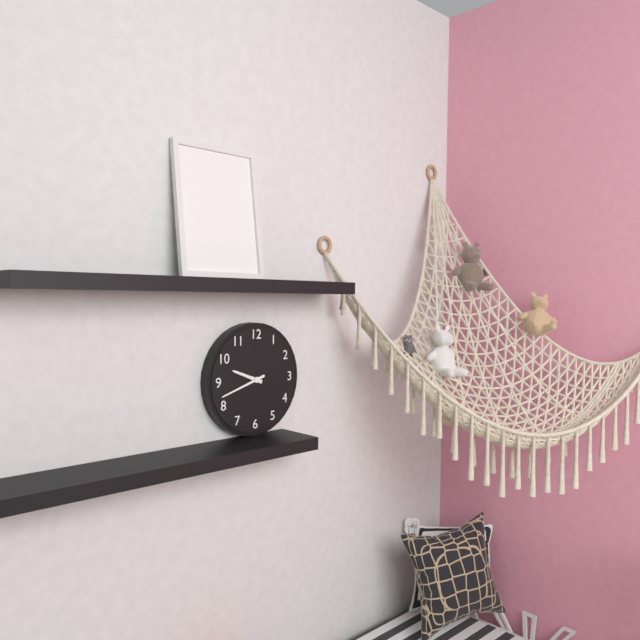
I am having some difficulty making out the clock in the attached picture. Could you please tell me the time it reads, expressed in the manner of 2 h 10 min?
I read 9 h 42 min
